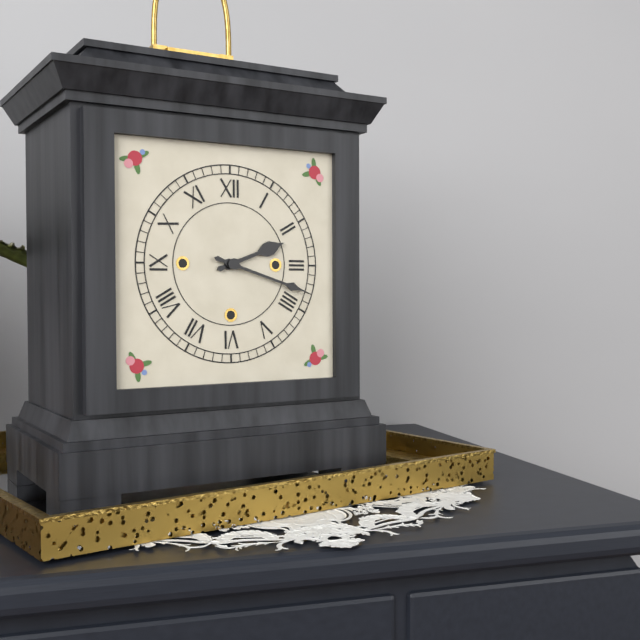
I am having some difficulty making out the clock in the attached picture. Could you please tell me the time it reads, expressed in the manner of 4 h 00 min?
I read 2 h 18 min
